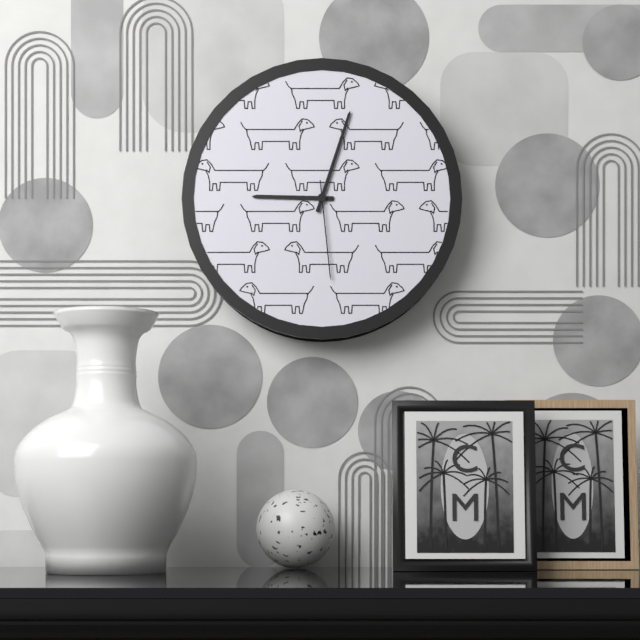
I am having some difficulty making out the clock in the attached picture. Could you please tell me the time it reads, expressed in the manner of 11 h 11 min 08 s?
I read 9 h 03 min 29 s
